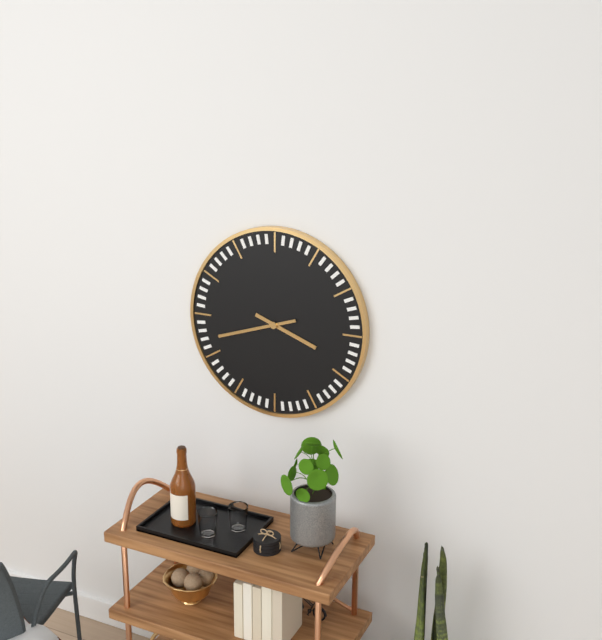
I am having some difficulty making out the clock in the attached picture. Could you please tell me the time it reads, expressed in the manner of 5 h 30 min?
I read 3 h 42 min
